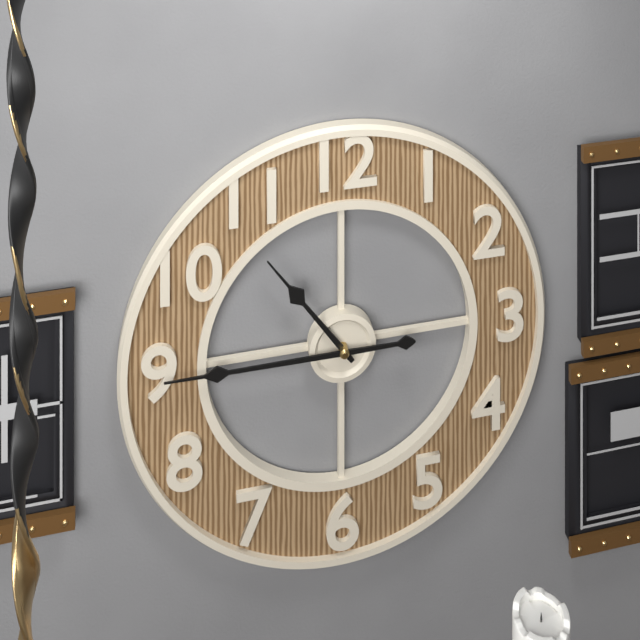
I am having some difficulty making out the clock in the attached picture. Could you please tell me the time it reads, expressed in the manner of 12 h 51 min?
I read 10 h 45 min
